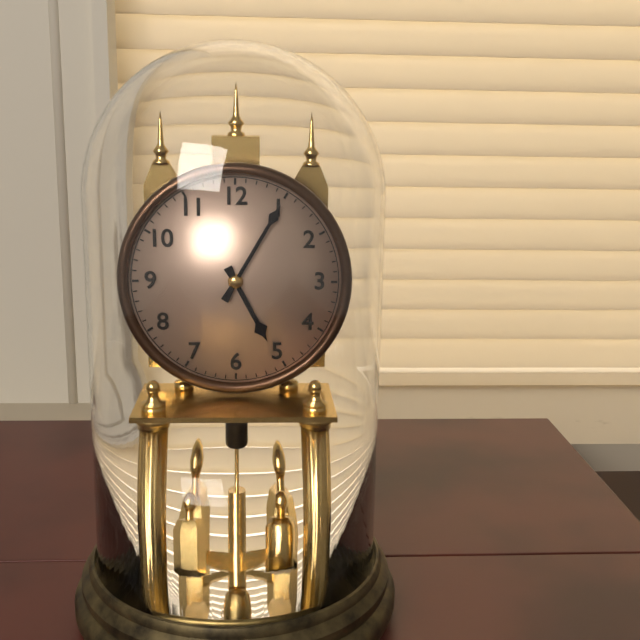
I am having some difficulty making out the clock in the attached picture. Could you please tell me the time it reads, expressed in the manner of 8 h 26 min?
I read 5 h 05 min
